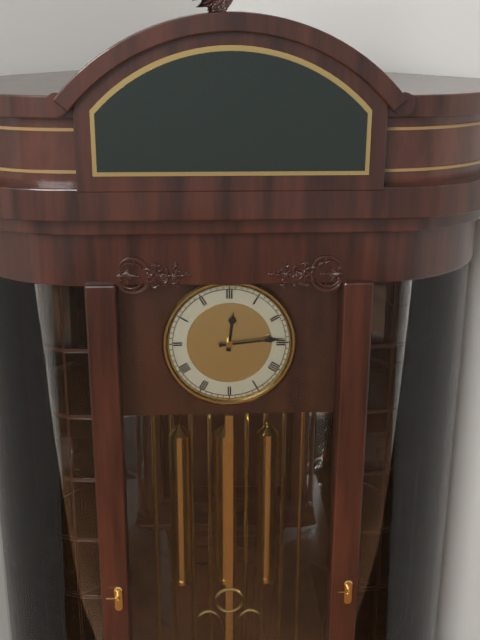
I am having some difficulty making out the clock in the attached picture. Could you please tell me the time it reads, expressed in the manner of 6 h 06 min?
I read 12 h 14 min
